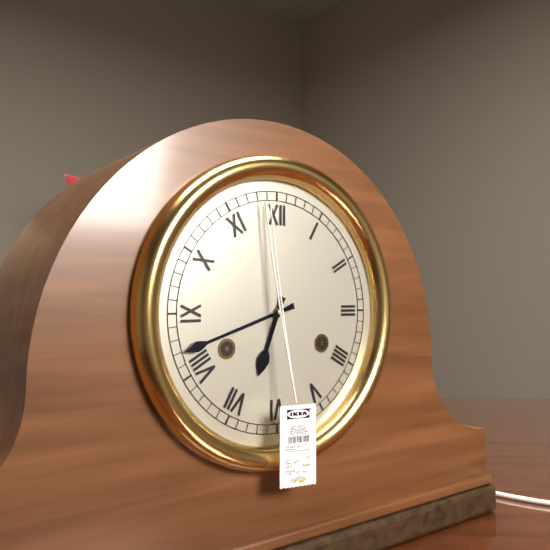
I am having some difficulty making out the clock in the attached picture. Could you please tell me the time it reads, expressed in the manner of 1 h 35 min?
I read 6 h 42 min
